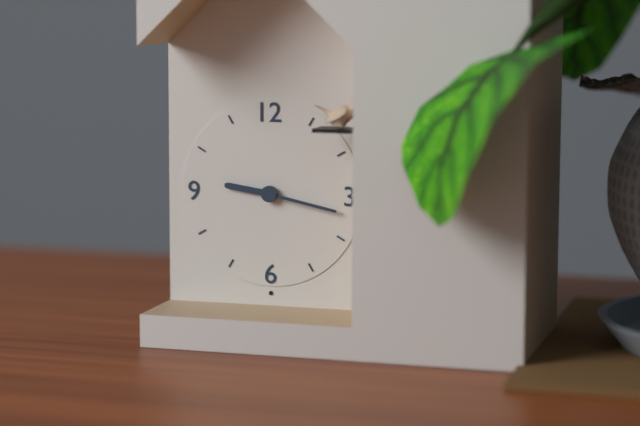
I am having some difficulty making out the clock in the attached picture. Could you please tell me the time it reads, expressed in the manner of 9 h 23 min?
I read 9 h 17 min
